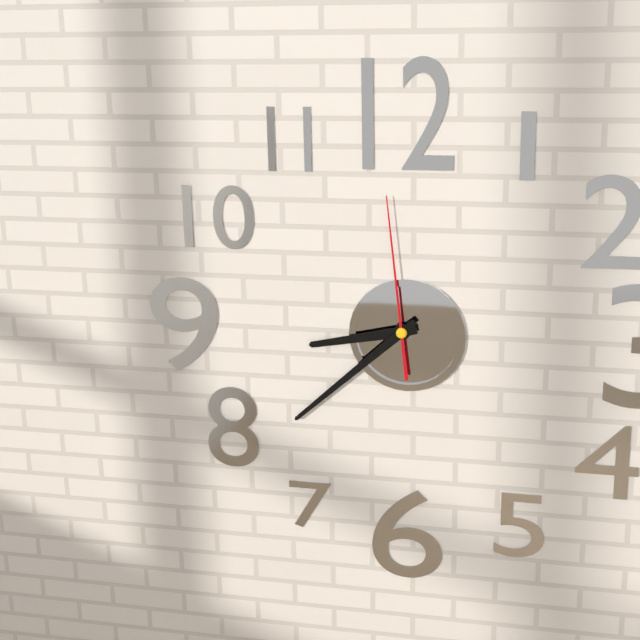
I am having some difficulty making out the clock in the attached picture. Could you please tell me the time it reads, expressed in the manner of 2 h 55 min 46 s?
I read 8 h 38 min 59 s
